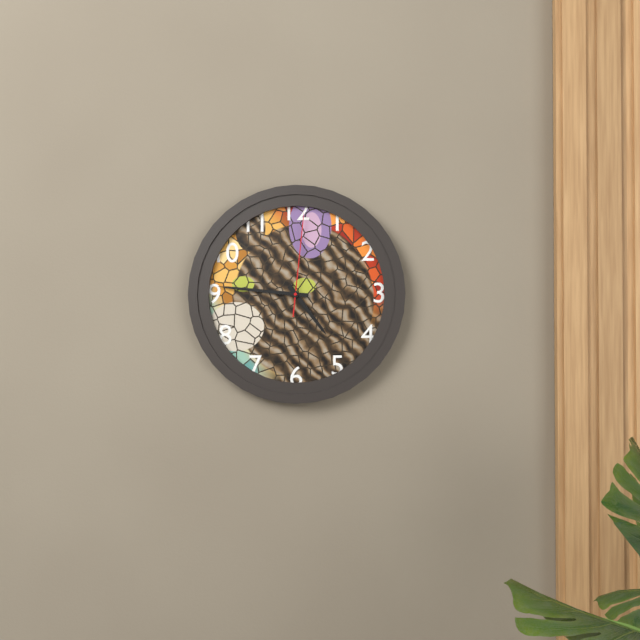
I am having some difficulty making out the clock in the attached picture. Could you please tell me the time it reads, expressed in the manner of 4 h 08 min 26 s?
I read 4 h 46 min 01 s
